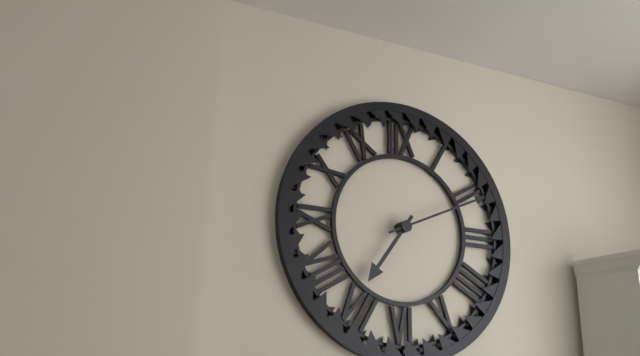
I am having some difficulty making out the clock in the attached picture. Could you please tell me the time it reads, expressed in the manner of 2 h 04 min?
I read 7 h 11 min
